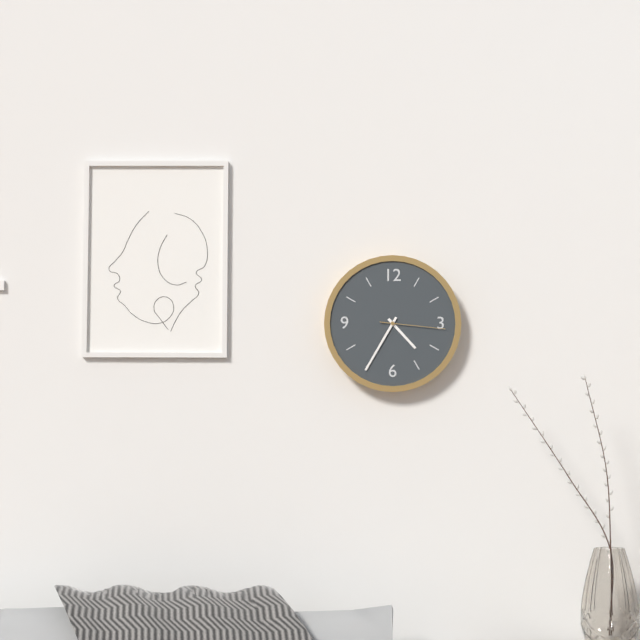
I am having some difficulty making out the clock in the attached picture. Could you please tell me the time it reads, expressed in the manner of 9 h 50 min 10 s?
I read 4 h 35 min 16 s
